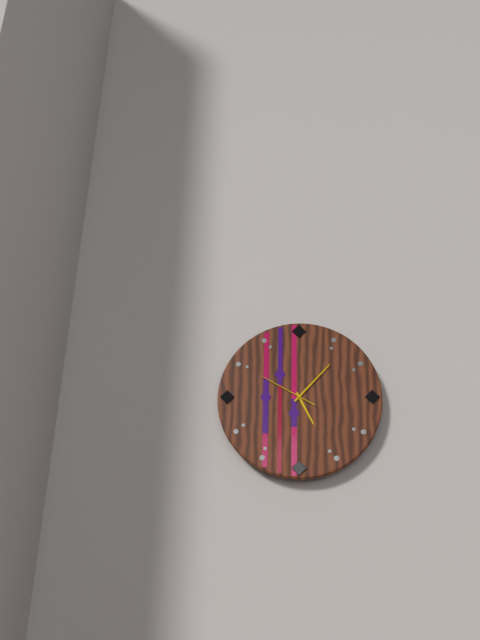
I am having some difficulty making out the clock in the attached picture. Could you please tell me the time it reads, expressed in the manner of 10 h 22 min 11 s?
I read 5 h 07 min 50 s
